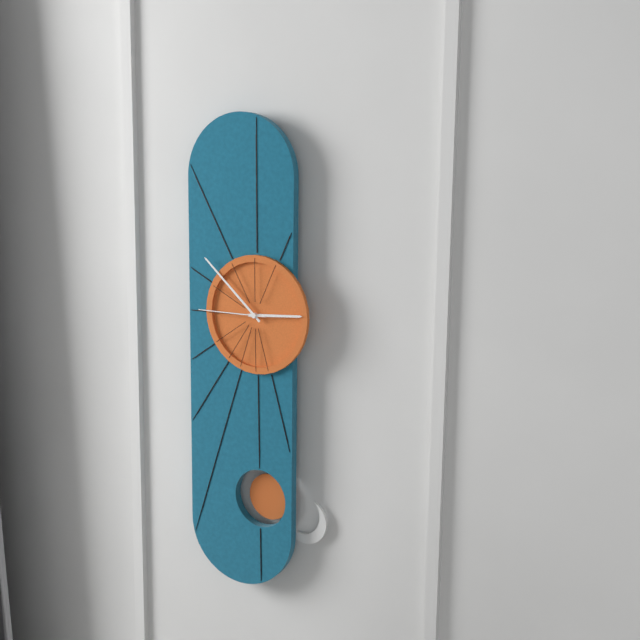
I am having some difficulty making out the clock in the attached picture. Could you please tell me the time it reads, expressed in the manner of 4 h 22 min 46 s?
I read 2 h 52 min 45 s
